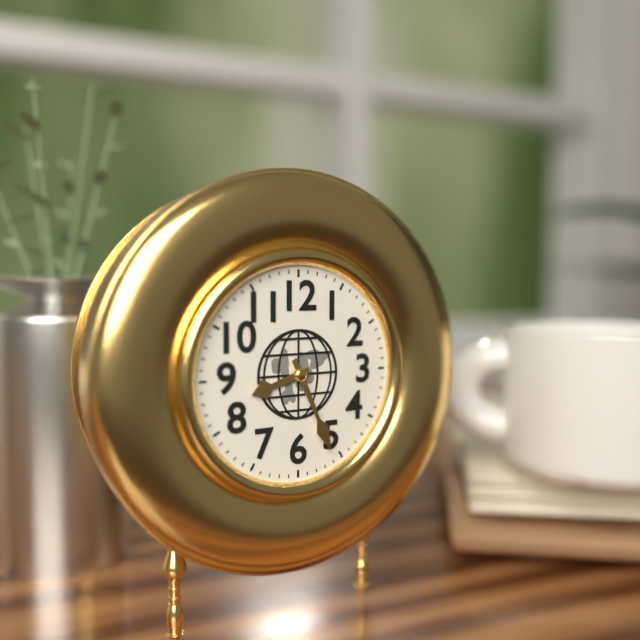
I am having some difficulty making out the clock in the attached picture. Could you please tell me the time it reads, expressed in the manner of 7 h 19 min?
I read 8 h 26 min
